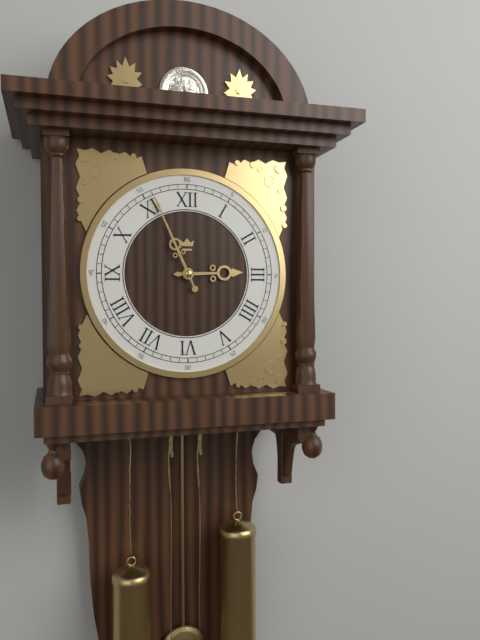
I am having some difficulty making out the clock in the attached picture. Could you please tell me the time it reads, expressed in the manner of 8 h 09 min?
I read 2 h 56 min
